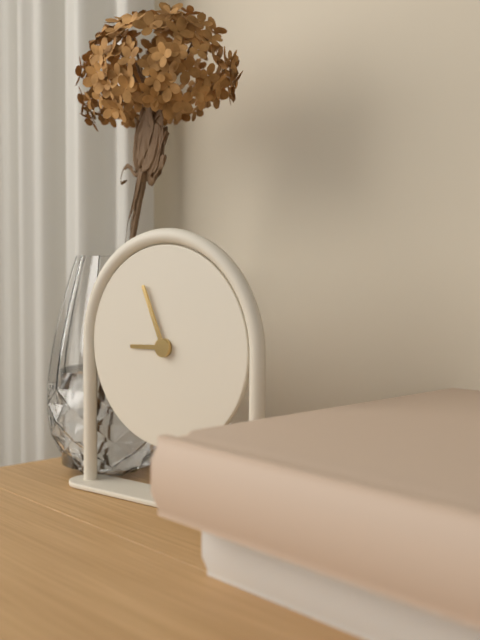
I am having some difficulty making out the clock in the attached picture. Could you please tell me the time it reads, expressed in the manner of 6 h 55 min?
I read 8 h 56 min
